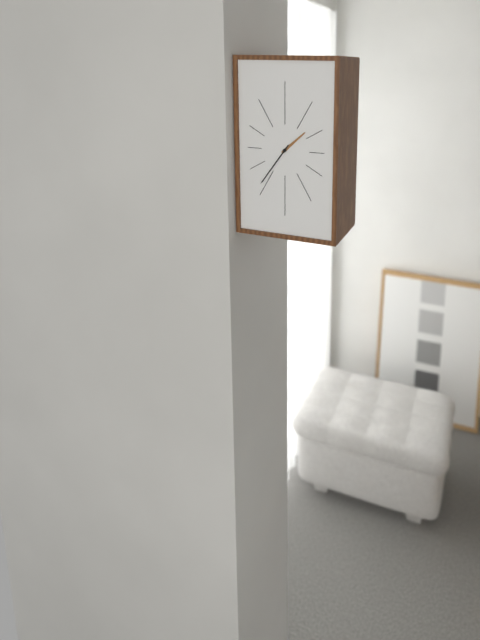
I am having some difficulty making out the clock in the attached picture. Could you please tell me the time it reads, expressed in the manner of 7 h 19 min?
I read 1 h 36 min
